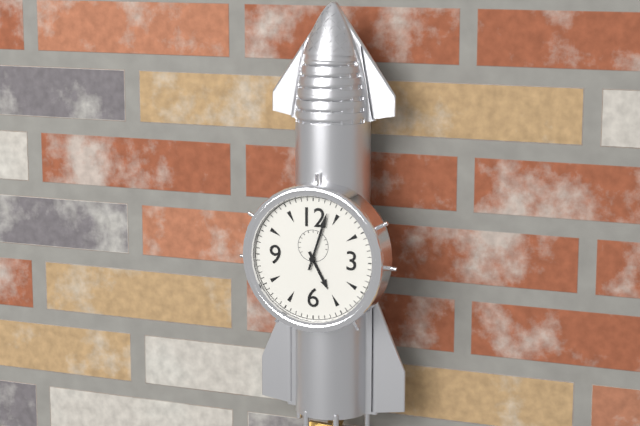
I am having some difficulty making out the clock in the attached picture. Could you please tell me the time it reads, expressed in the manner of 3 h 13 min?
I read 5 h 03 min
